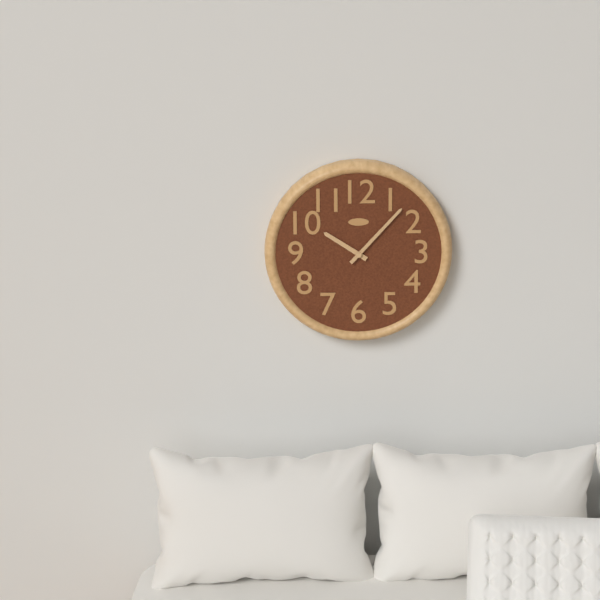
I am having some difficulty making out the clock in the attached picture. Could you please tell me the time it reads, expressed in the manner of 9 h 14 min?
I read 10 h 07 min
